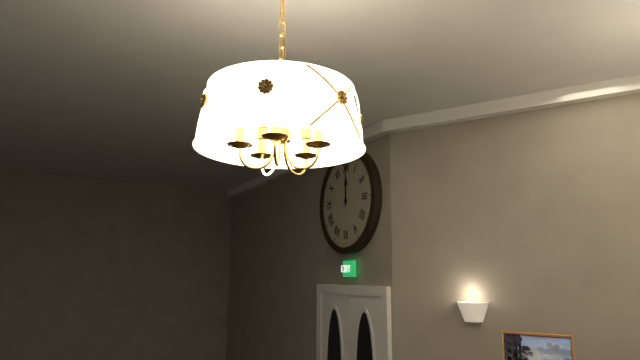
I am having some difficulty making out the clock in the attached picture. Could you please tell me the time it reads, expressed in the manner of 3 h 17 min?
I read 12 h 00 min
